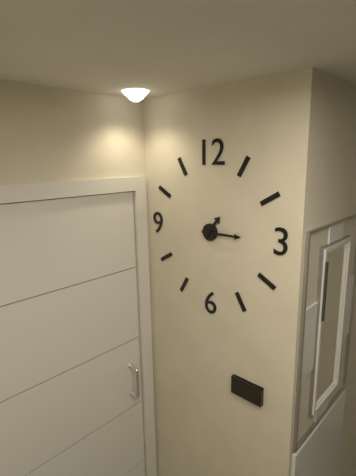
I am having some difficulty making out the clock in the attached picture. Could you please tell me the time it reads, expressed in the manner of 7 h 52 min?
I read 1 h 15 min
